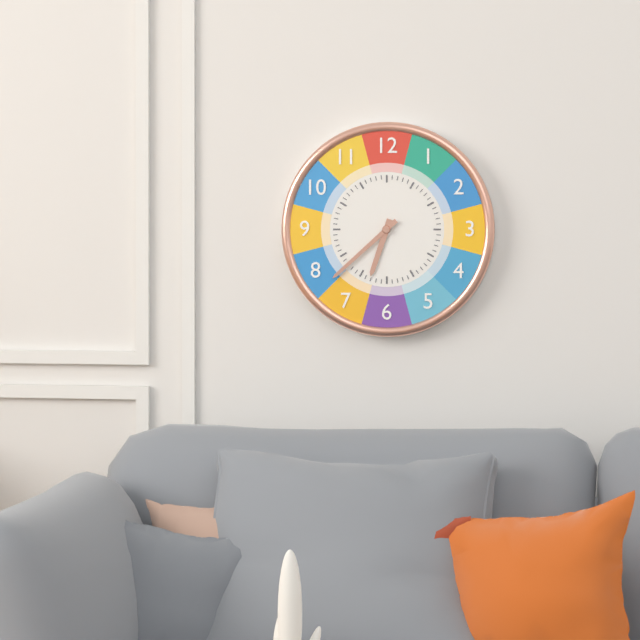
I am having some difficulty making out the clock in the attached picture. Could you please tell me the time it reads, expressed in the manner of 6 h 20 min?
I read 6 h 38 min
